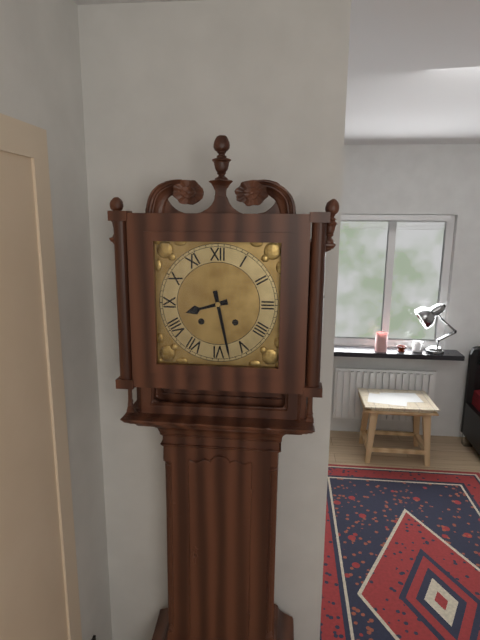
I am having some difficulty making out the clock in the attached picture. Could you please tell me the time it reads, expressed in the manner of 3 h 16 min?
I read 8 h 28 min
